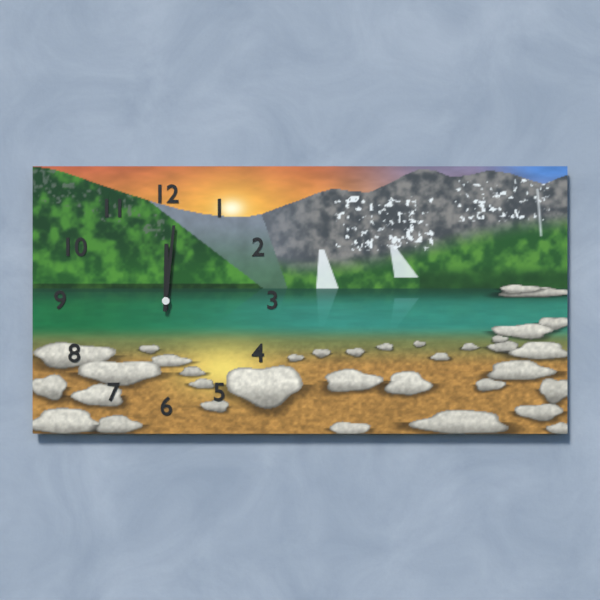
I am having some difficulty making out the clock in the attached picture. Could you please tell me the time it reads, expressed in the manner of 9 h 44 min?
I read 12 h 01 min
